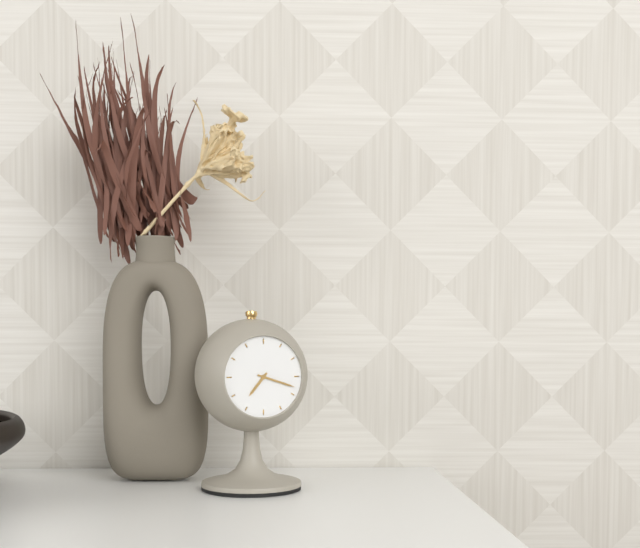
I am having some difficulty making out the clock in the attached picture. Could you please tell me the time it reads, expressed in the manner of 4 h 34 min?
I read 7 h 18 min
